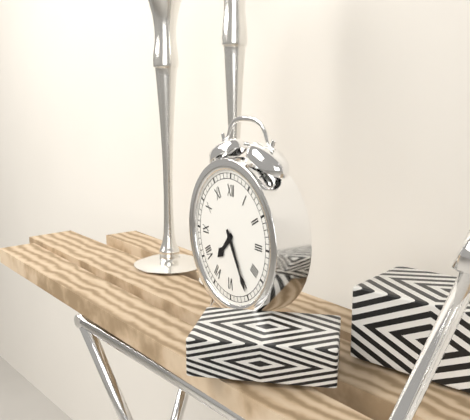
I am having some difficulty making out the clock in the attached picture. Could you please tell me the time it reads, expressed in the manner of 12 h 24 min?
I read 7 h 25 min
